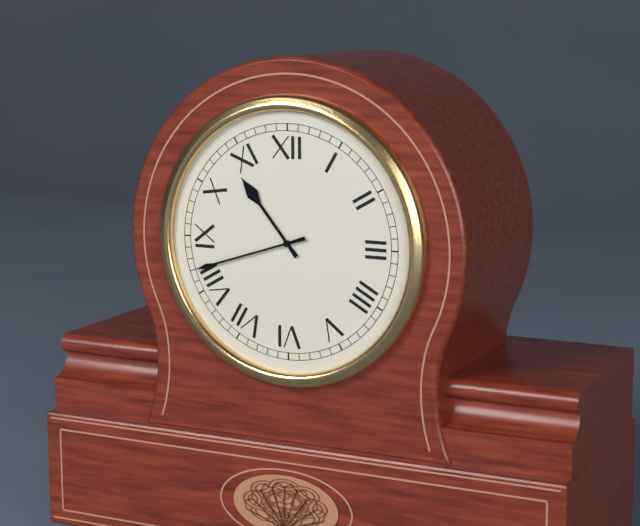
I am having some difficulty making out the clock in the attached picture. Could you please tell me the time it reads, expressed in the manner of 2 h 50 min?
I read 10 h 42 min
